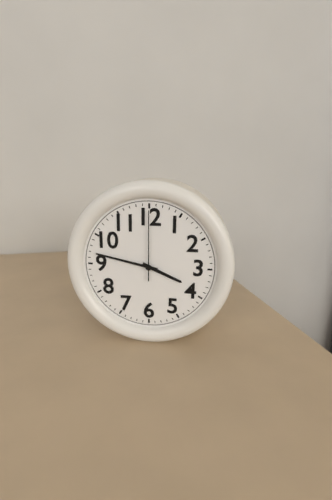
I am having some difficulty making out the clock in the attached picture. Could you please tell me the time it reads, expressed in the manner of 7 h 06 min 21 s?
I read 3 h 47 min 00 s
